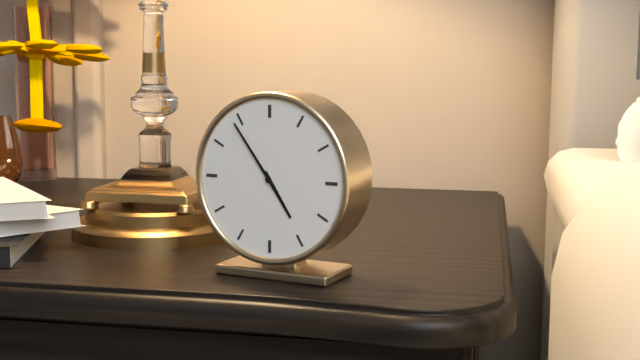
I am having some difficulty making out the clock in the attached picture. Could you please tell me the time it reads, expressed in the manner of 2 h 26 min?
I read 4 h 54 min
